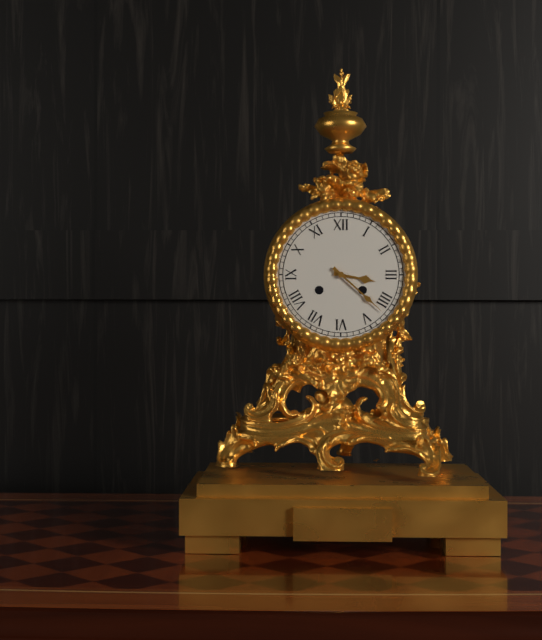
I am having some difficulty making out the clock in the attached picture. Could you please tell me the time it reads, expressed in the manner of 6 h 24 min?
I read 3 h 22 min
